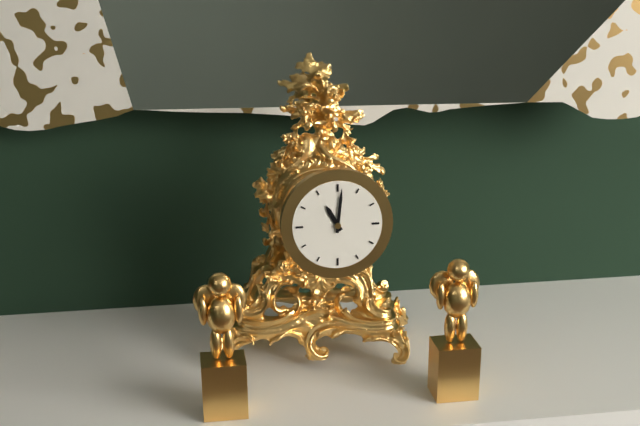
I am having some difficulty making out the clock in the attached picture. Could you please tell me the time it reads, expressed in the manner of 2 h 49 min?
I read 11 h 01 min
